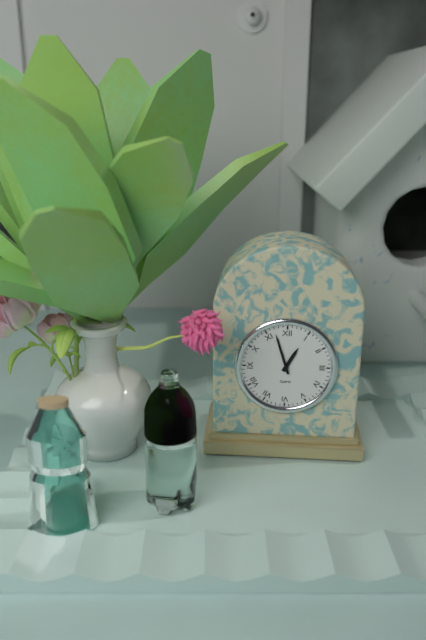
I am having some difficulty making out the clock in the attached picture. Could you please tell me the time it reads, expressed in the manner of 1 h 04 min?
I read 12 h 57 min
